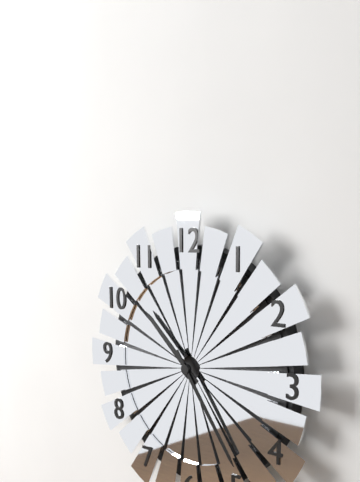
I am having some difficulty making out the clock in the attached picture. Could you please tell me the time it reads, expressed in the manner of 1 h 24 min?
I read 10 h 24 min
